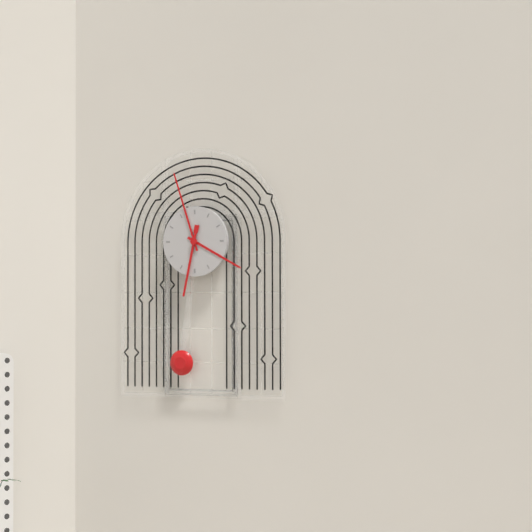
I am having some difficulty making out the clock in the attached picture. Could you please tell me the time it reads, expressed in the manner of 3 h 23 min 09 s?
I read 3 h 57 min 32 s
